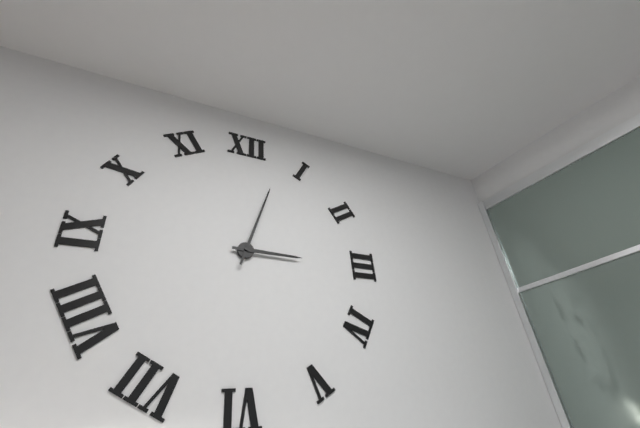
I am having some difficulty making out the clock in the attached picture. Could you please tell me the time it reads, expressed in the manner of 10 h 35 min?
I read 3 h 03 min
